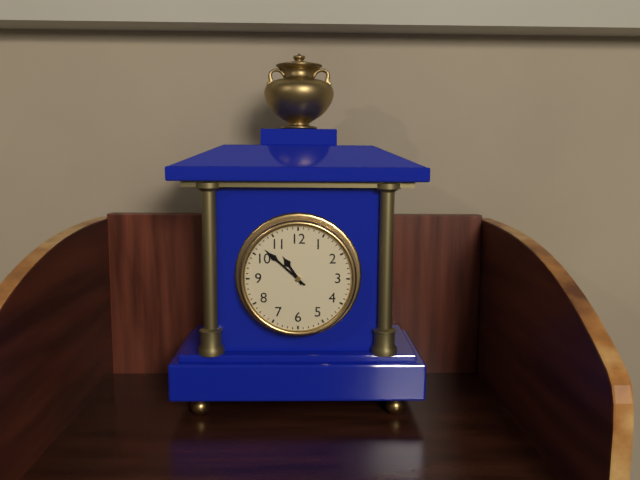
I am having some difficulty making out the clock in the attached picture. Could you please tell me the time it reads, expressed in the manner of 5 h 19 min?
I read 10 h 52 min
